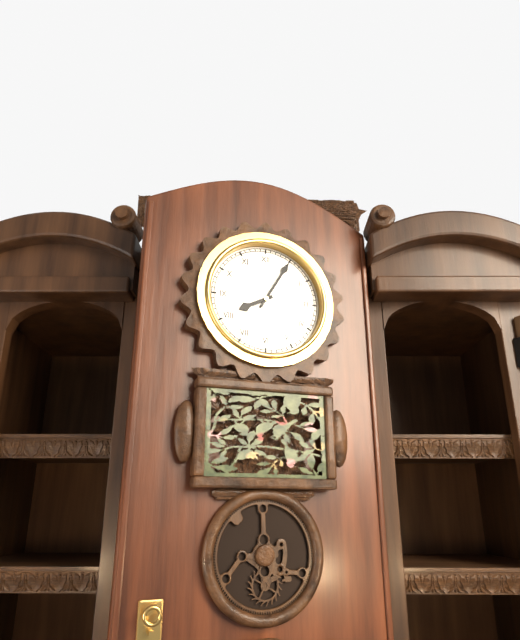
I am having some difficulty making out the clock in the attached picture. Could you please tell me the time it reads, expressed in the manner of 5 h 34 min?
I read 8 h 05 min
